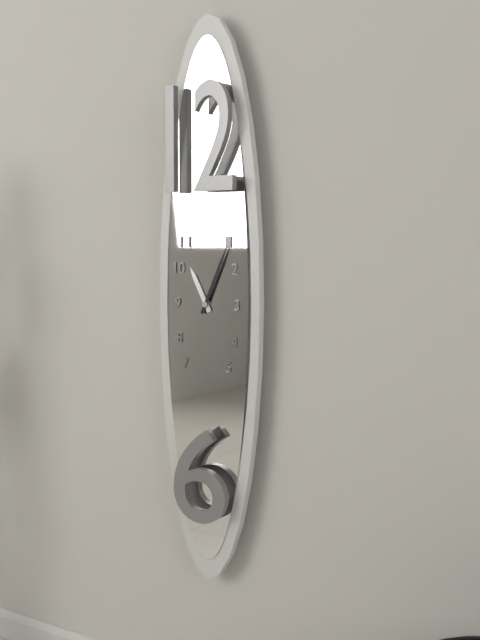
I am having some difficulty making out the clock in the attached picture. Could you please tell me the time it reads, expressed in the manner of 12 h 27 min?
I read 11 h 04 min
